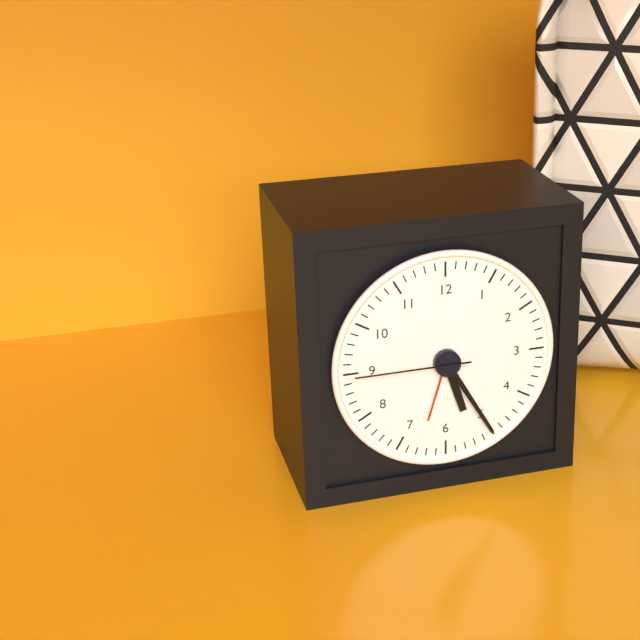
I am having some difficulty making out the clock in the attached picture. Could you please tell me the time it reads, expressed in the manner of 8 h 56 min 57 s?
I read 5 h 25 min 45 s
